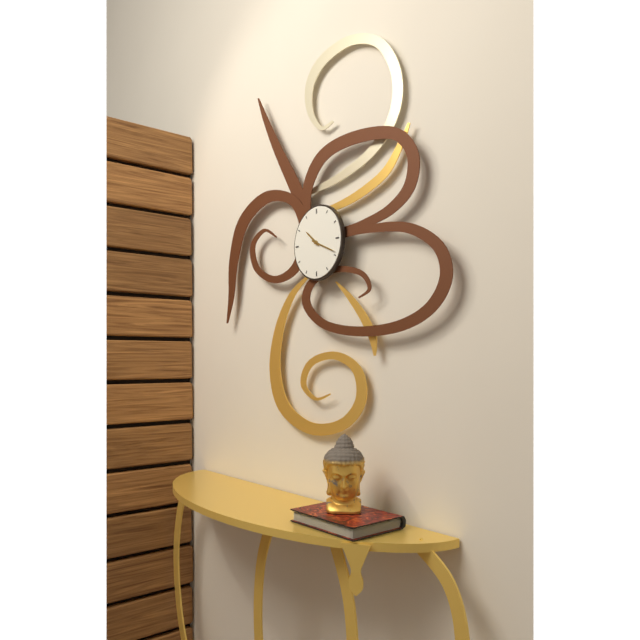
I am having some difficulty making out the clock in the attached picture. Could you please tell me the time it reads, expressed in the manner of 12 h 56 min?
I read 10 h 19 min
